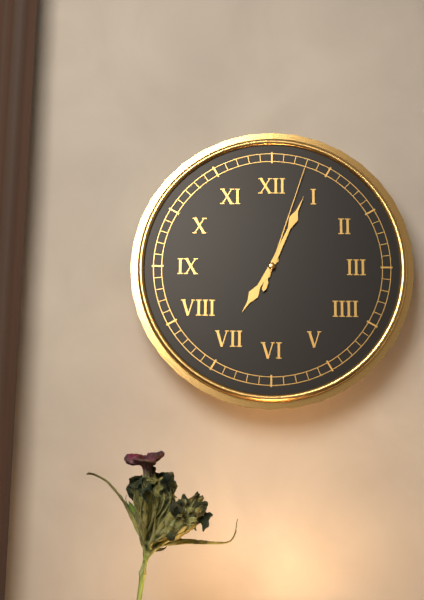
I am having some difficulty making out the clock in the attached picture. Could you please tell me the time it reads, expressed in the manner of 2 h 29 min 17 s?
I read 7 h 04 min 03 s
